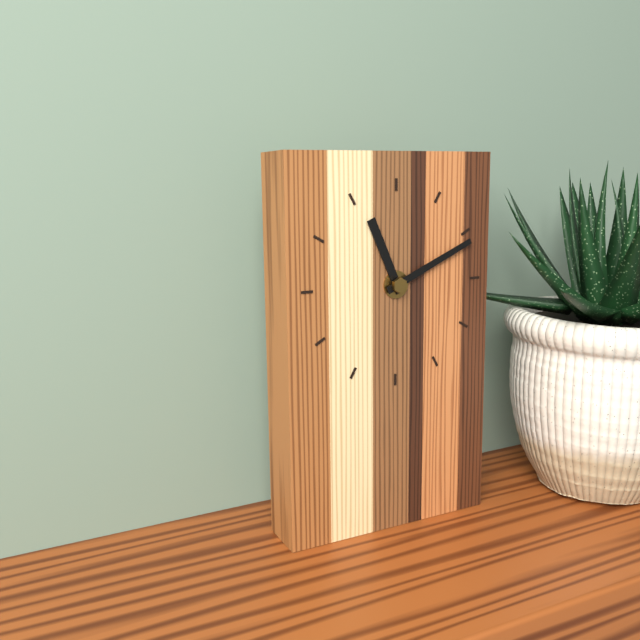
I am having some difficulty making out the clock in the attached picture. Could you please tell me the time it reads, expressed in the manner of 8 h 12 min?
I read 11 h 11 min
